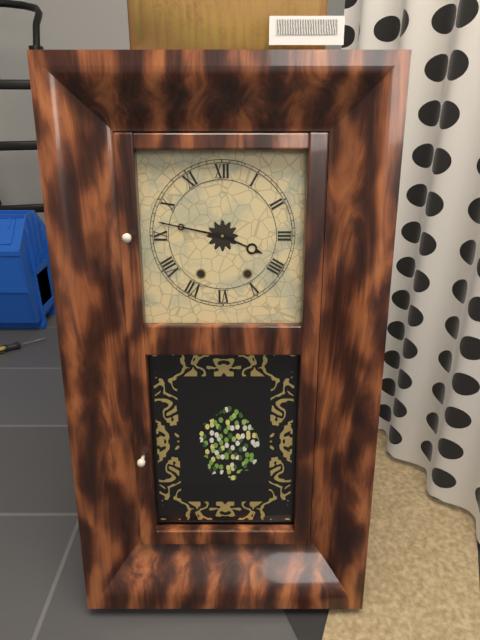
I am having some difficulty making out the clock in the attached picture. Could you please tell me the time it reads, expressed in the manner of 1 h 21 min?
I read 3 h 47 min
